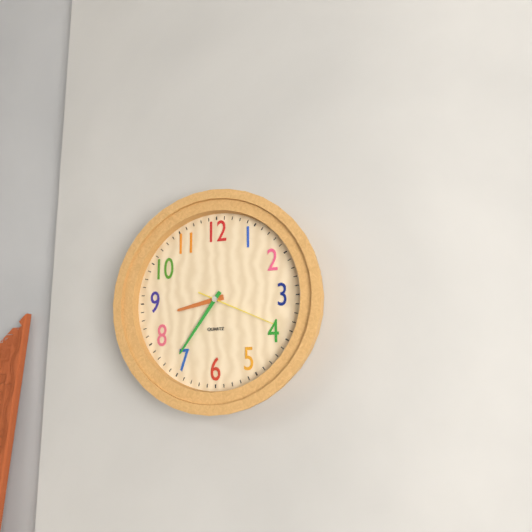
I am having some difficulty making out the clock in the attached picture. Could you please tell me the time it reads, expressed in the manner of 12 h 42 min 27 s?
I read 8 h 36 min 19 s
